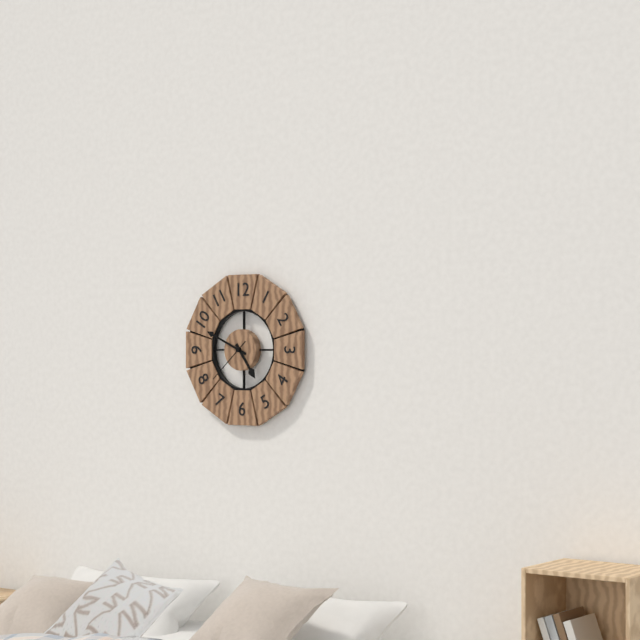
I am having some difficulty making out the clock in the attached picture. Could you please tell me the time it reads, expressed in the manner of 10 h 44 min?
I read 4 h 49 min
